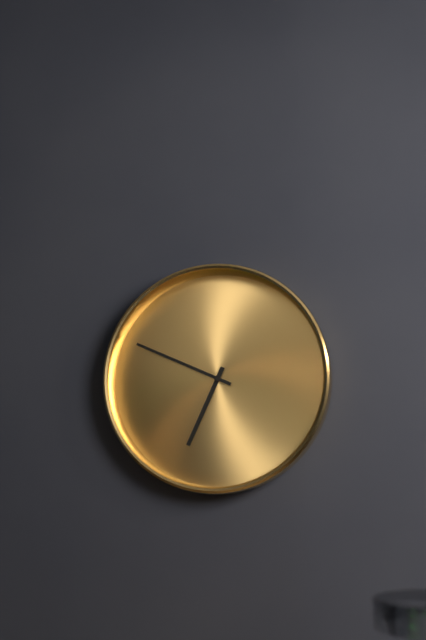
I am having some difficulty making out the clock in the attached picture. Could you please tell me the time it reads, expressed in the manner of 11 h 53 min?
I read 6 h 49 min
